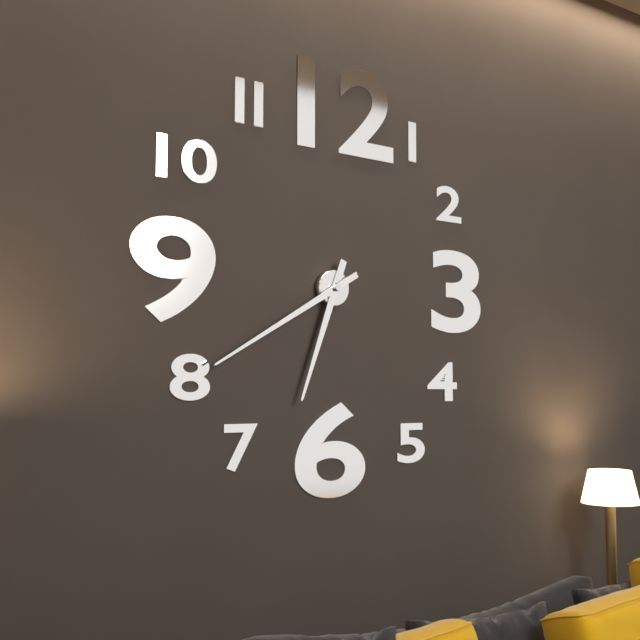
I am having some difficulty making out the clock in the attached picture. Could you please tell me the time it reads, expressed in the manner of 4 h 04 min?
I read 6 h 40 min
